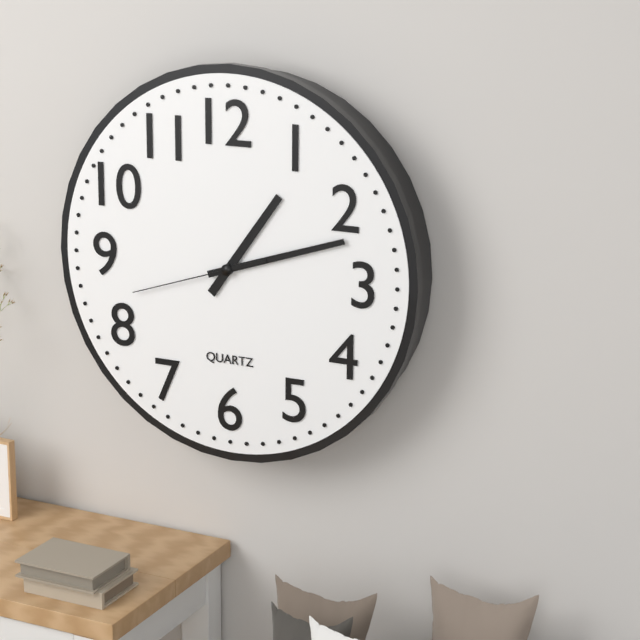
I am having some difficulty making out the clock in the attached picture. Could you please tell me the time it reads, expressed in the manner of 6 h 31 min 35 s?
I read 1 h 12 min 42 s
